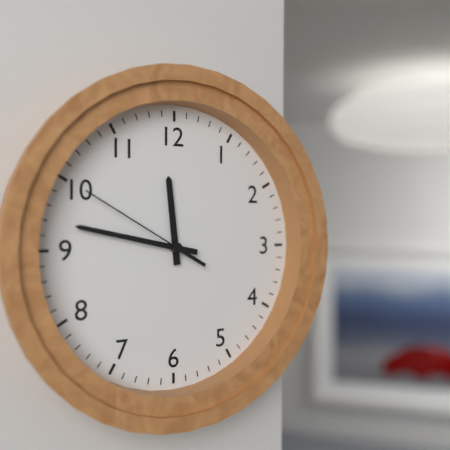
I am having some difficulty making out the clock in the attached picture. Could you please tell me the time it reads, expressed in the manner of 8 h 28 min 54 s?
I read 11 h 47 min 50 s
